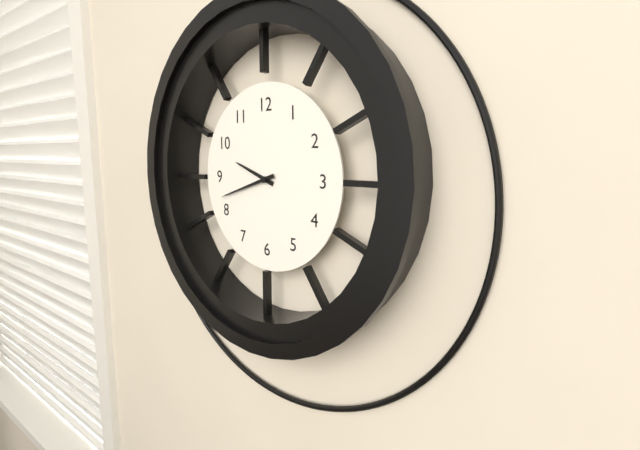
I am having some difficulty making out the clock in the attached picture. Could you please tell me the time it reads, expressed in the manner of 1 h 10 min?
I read 9 h 42 min
